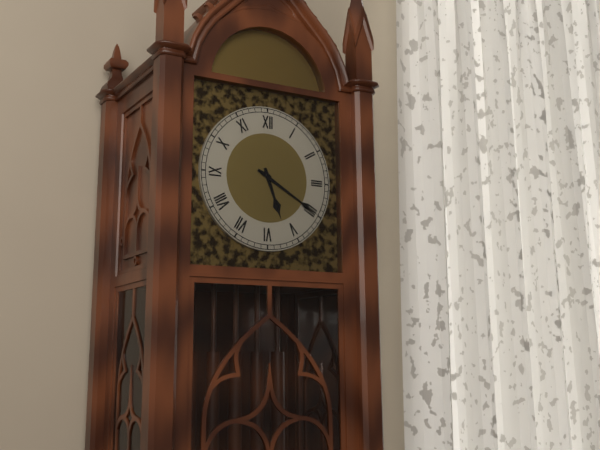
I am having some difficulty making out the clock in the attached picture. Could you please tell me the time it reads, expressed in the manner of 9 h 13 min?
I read 5 h 20 min
